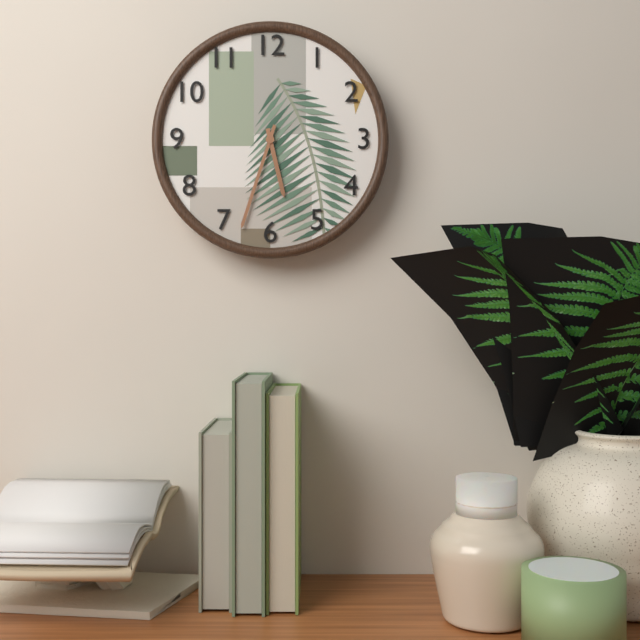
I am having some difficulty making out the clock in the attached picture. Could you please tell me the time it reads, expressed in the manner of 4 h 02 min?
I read 5 h 33 min
